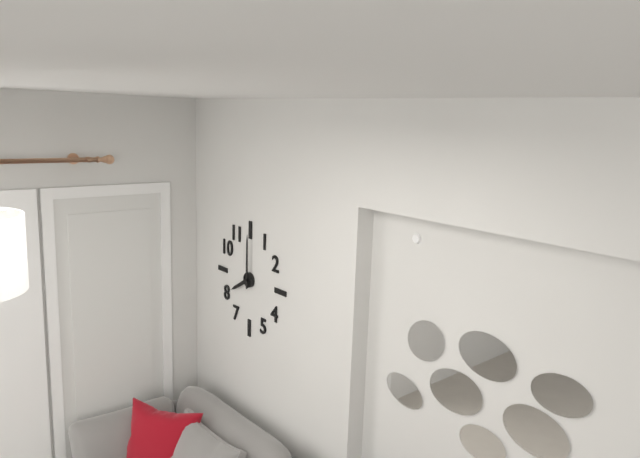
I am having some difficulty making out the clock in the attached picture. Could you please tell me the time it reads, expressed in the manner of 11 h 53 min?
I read 8 h 00 min
